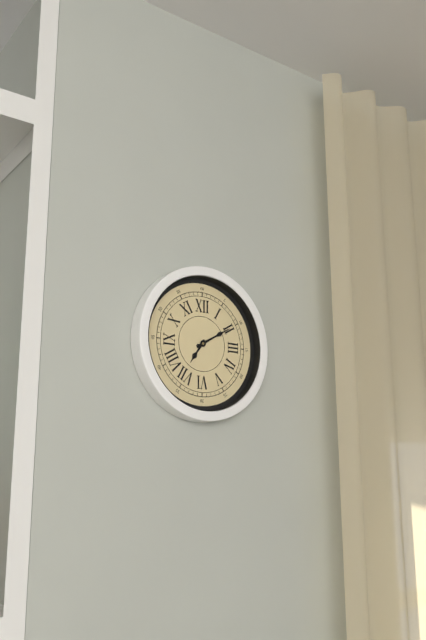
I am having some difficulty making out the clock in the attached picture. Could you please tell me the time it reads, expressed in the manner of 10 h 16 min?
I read 7 h 10 min
